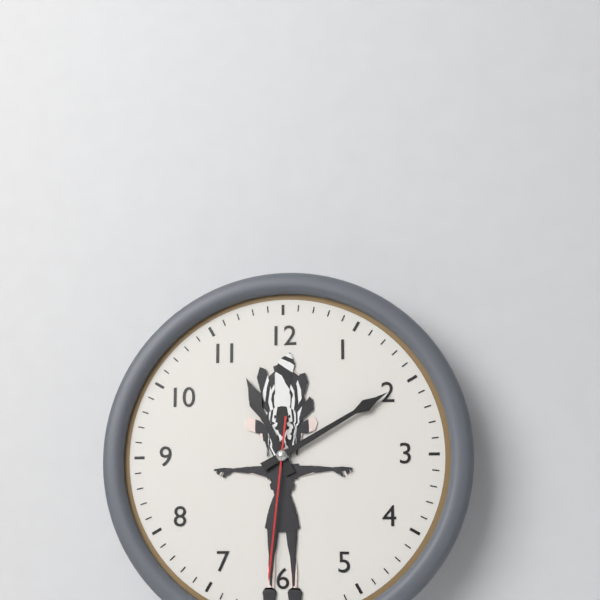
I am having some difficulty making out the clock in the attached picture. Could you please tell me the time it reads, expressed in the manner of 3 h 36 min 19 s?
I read 11 h 10 min 31 s
